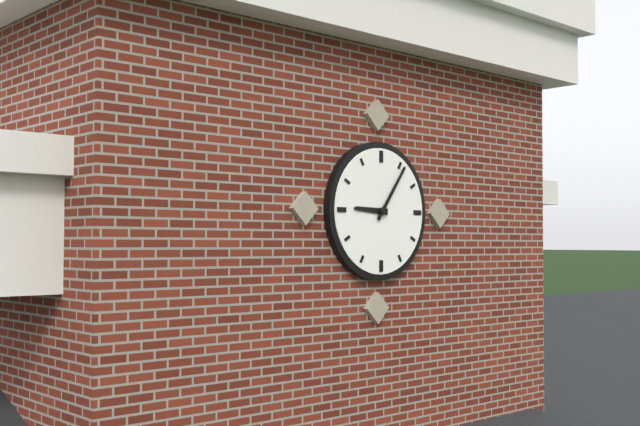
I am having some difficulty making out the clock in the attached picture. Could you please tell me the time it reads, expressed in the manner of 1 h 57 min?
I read 9 h 06 min
